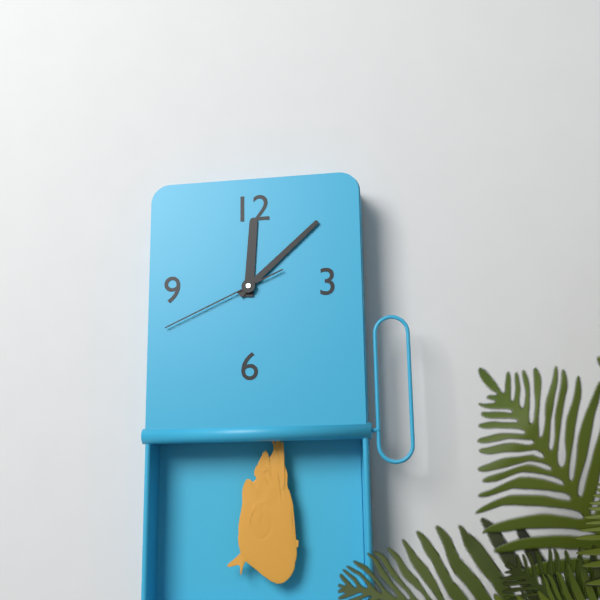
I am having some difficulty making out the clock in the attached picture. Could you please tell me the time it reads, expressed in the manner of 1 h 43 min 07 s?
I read 12 h 08 min 41 s
